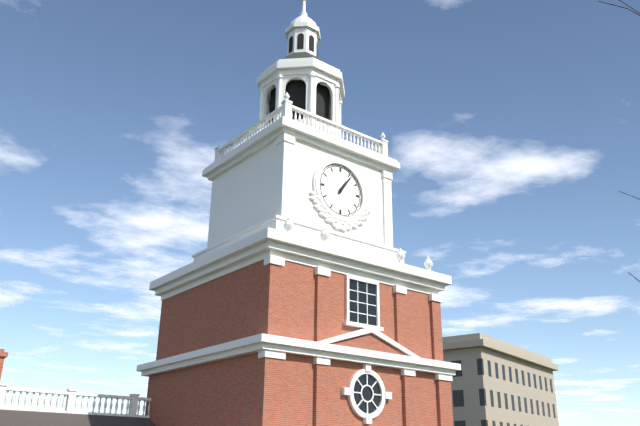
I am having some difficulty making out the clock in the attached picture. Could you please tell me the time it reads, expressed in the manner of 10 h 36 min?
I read 1 h 06 min
